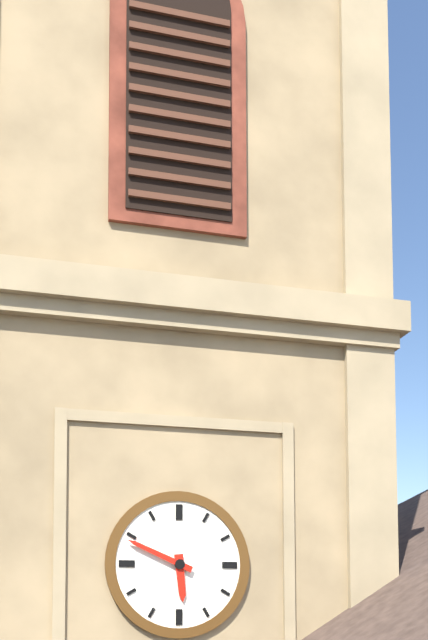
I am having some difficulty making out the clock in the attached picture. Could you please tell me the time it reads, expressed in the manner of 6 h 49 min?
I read 5 h 49 min
